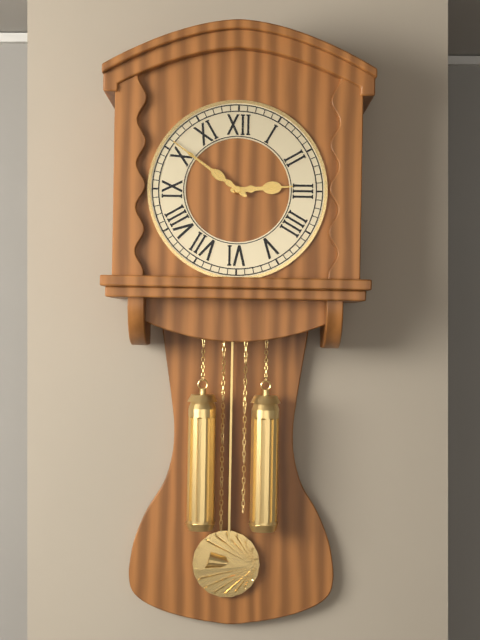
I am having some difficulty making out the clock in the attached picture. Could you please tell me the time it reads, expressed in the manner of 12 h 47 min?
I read 2 h 51 min
